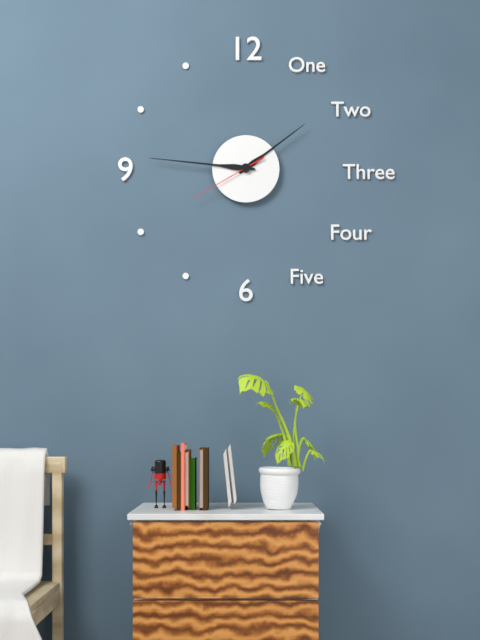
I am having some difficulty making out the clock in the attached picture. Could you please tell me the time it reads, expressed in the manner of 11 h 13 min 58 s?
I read 1 h 46 min 40 s
